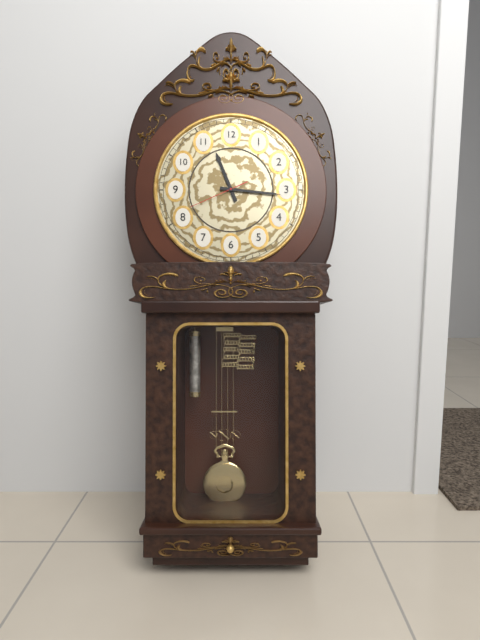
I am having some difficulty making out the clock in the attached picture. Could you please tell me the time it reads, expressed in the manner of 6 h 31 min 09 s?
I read 11 h 16 min 41 s
